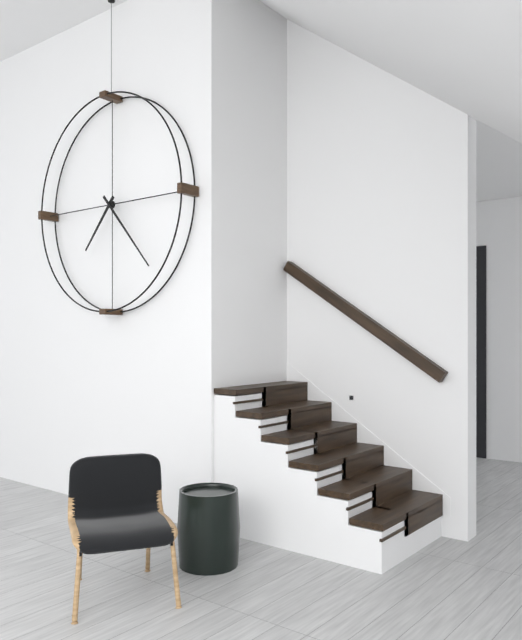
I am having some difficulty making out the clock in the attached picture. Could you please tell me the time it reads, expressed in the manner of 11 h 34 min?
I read 7 h 23 min
